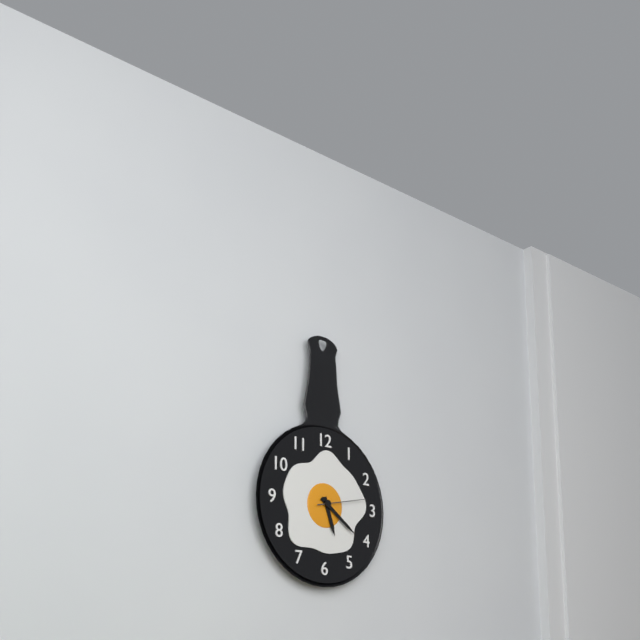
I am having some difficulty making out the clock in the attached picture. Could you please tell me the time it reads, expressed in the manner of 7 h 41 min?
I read 5 h 21 min
